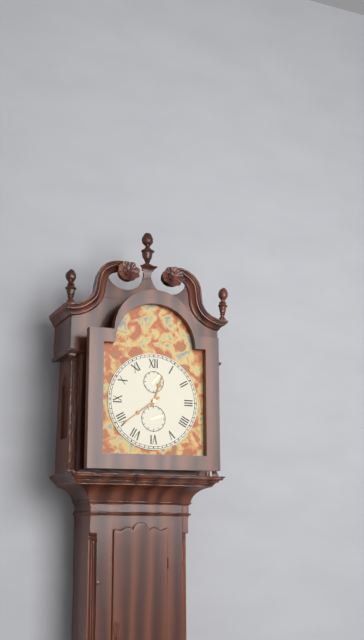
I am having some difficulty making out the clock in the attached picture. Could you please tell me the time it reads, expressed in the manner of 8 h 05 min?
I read 12 h 39 min
